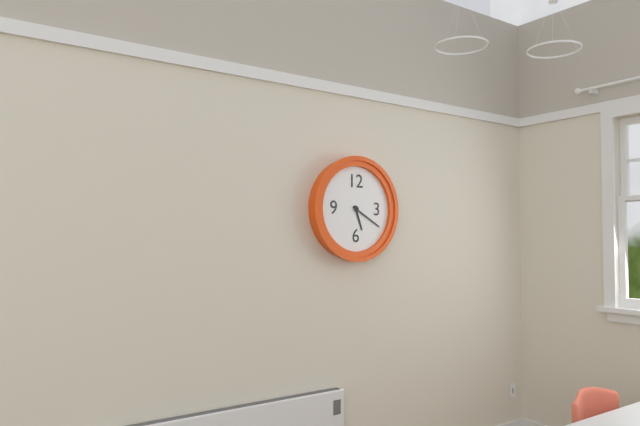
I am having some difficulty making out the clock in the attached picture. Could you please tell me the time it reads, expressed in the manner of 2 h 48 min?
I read 5 h 20 min
